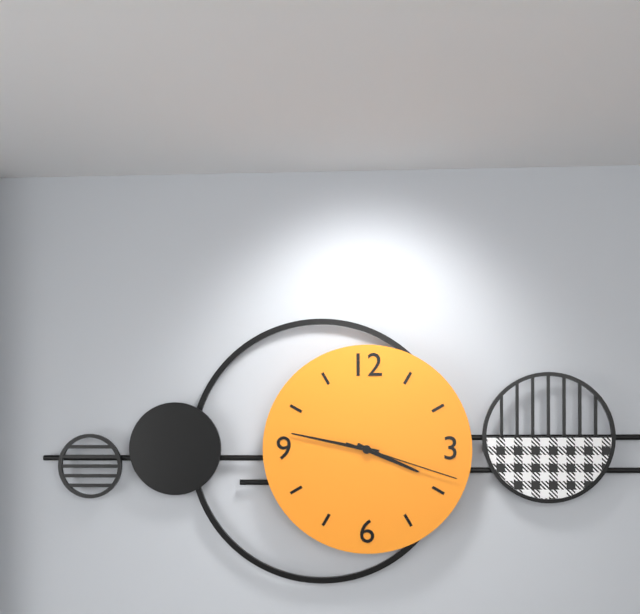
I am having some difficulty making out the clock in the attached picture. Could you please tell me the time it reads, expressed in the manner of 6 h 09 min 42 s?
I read 3 h 47 min 18 s
